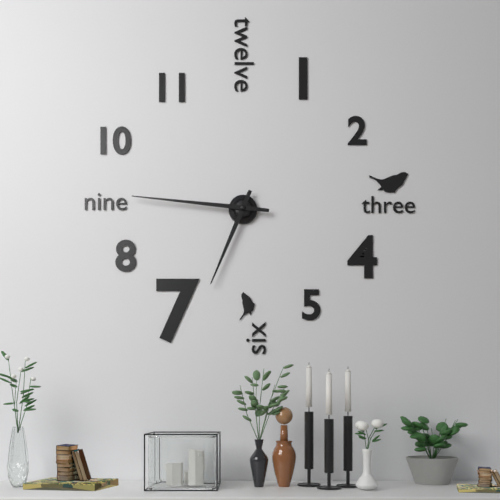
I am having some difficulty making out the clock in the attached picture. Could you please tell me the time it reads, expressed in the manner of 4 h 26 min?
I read 6 h 46 min
